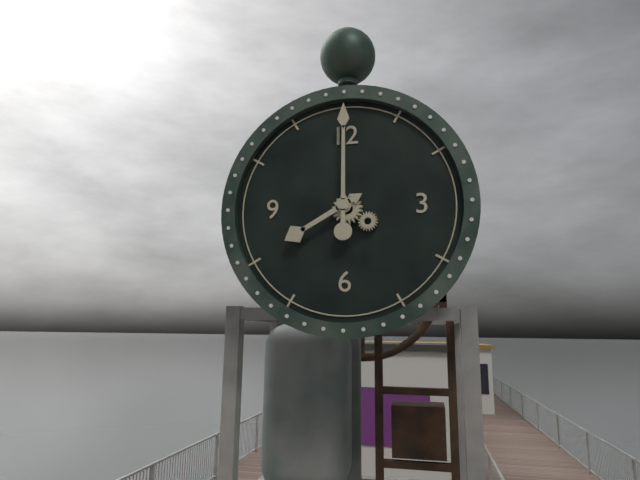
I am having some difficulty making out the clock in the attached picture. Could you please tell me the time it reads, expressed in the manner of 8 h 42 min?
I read 8 h 00 min
